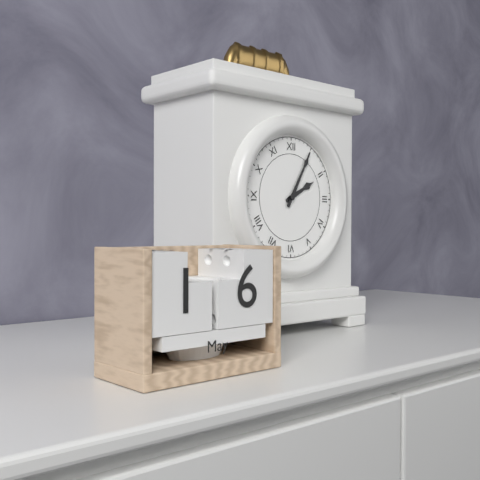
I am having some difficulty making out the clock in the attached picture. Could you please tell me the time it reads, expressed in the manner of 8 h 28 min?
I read 2 h 05 min
